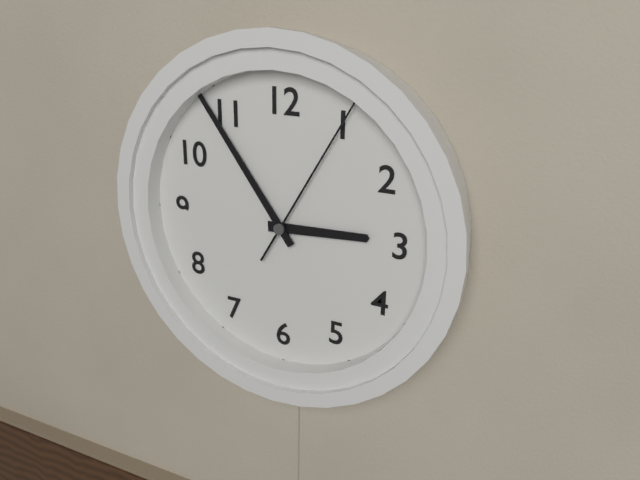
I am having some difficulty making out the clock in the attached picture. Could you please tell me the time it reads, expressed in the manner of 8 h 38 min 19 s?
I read 2 h 54 min 05 s
